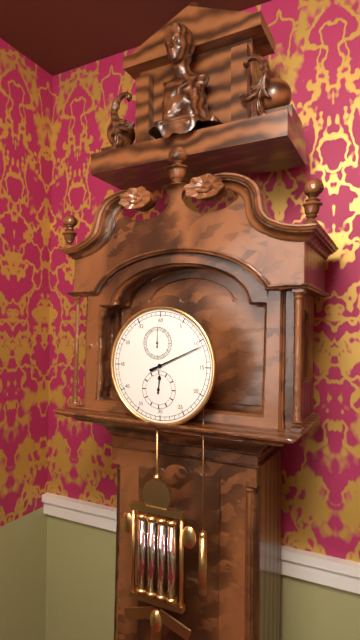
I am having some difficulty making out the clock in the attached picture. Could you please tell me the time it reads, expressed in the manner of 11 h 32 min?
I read 12 h 11 min
